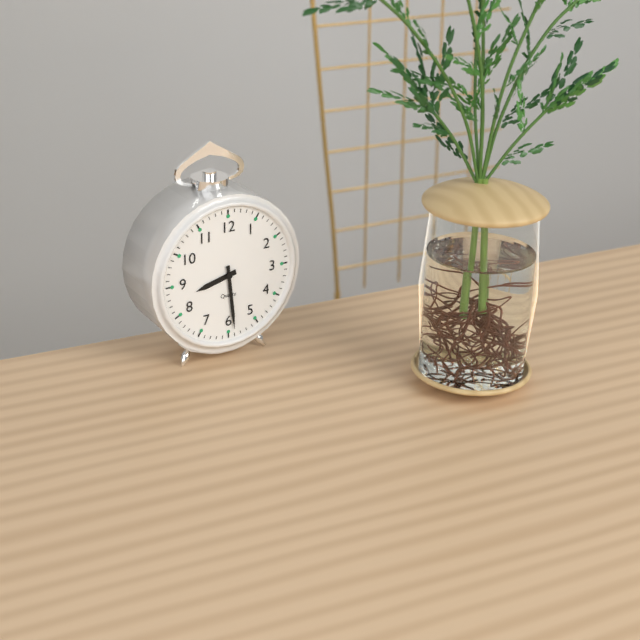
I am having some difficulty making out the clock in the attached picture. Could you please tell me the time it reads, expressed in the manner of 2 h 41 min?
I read 8 h 29 min
